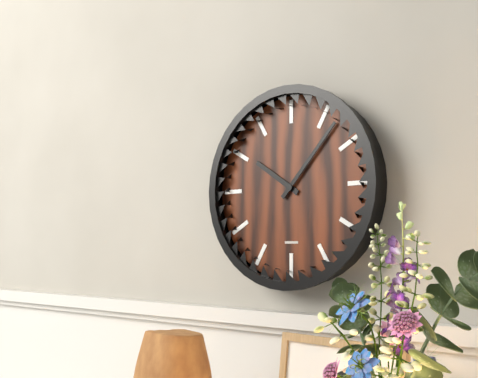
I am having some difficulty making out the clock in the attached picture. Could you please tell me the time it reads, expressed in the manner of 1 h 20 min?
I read 10 h 07 min
